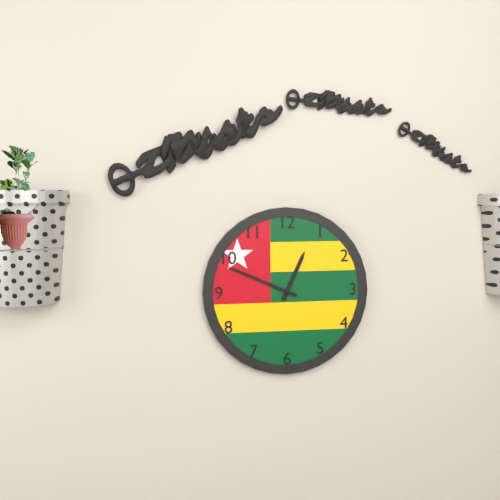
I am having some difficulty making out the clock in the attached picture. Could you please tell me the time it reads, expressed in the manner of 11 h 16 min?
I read 12 h 49 min
